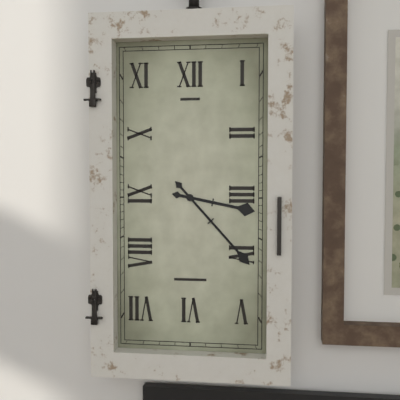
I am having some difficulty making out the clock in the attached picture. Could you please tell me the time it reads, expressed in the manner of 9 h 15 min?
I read 3 h 23 min
